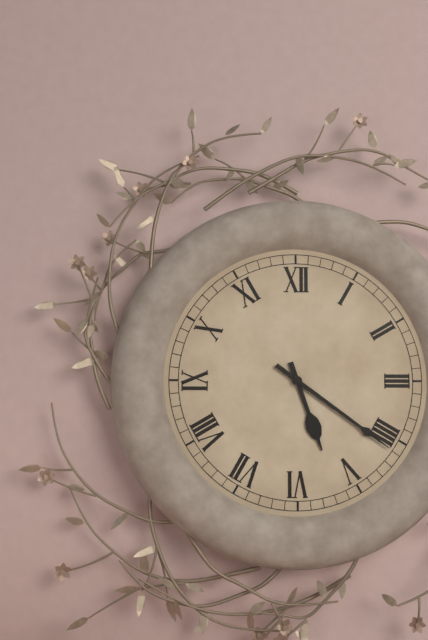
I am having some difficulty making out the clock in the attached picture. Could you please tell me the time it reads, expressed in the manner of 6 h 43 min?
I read 5 h 21 min
